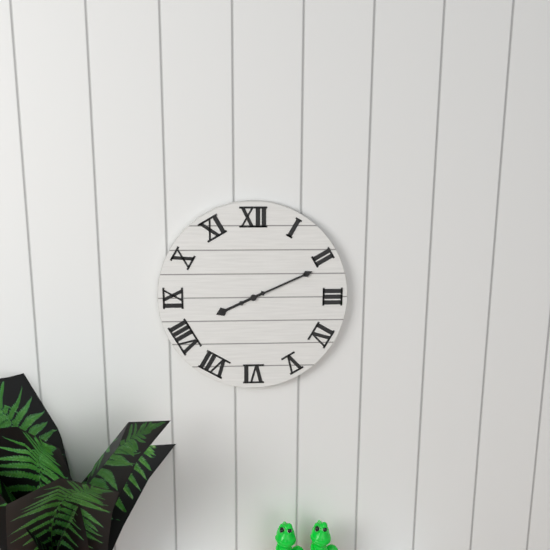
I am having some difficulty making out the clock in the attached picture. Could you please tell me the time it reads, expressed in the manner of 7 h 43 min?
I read 8 h 11 min
